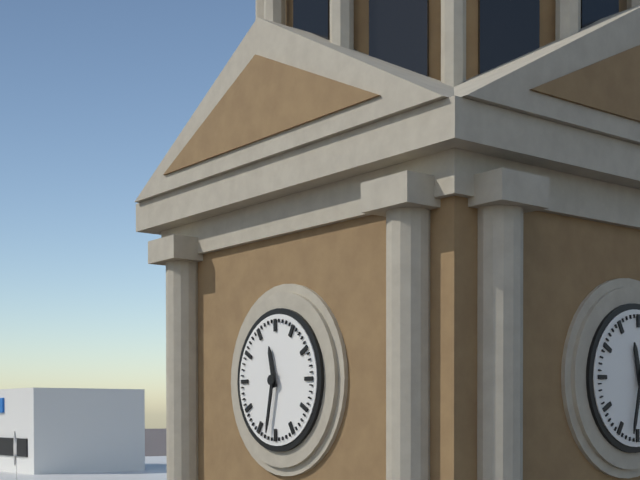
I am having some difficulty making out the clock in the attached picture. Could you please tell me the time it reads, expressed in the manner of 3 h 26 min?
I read 11 h 32 min
